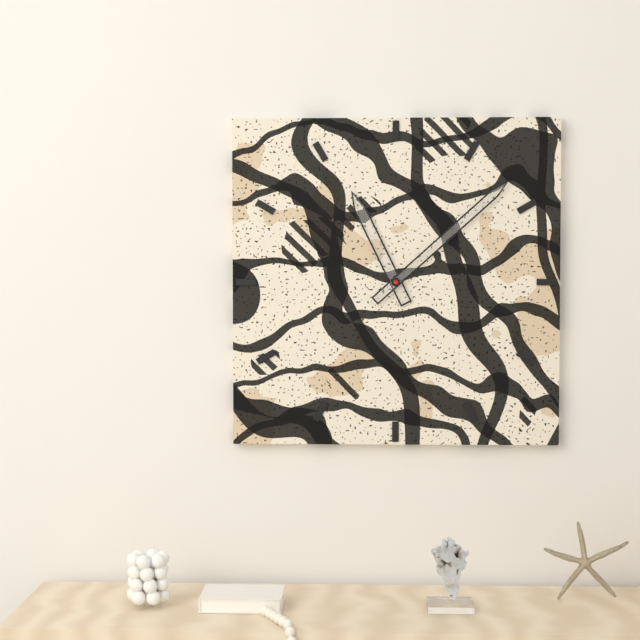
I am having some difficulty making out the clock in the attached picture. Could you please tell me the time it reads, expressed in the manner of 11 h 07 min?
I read 11 h 08 min
